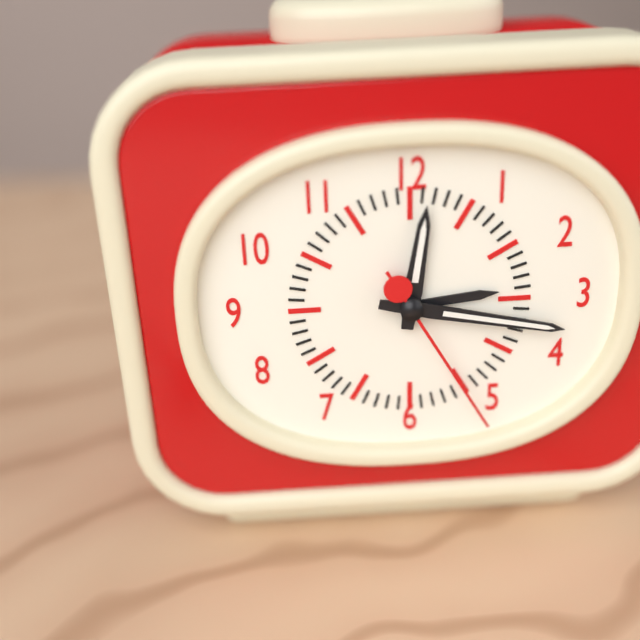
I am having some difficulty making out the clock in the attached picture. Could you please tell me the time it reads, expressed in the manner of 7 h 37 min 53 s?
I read 12 h 17 min 25 s
